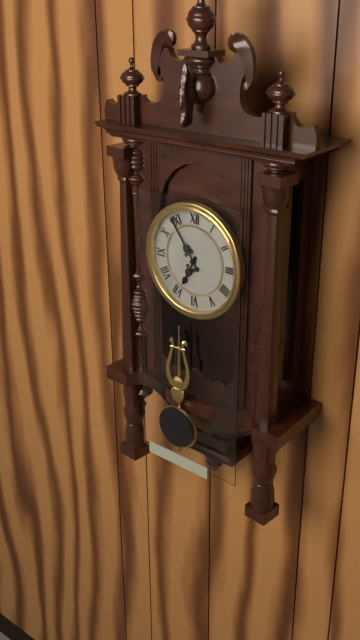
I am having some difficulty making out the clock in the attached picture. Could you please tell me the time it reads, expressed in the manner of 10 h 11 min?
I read 6 h 54 min
